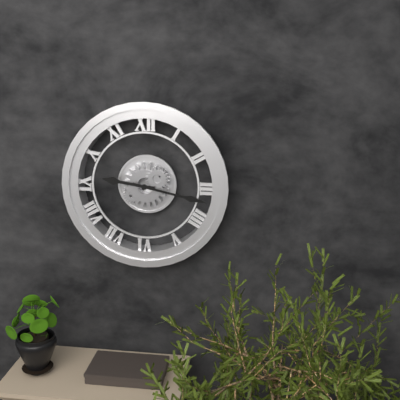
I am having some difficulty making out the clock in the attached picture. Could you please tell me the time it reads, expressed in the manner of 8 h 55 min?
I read 9 h 17 min
